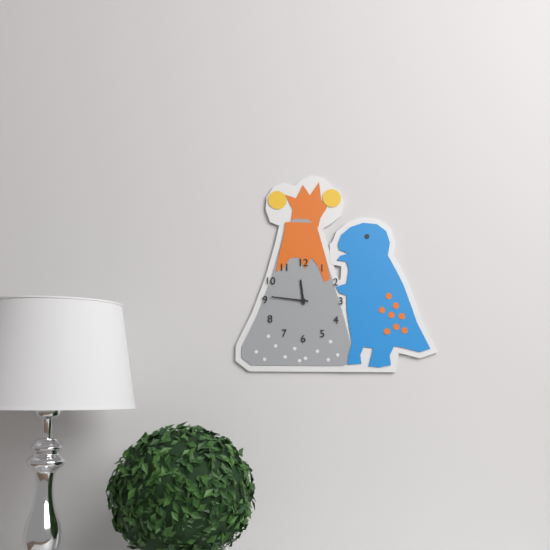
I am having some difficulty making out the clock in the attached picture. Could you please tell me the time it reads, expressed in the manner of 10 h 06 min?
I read 11 h 46 min
